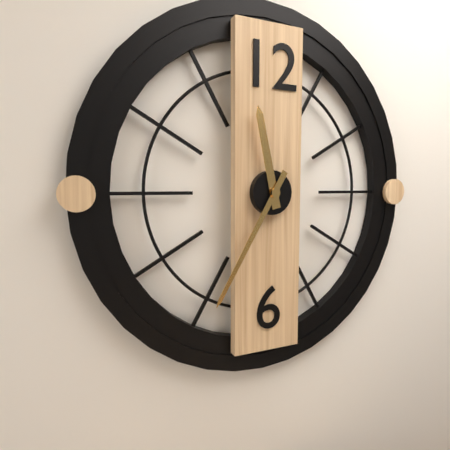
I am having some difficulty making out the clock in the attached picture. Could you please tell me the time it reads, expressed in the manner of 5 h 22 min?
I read 11 h 35 min
